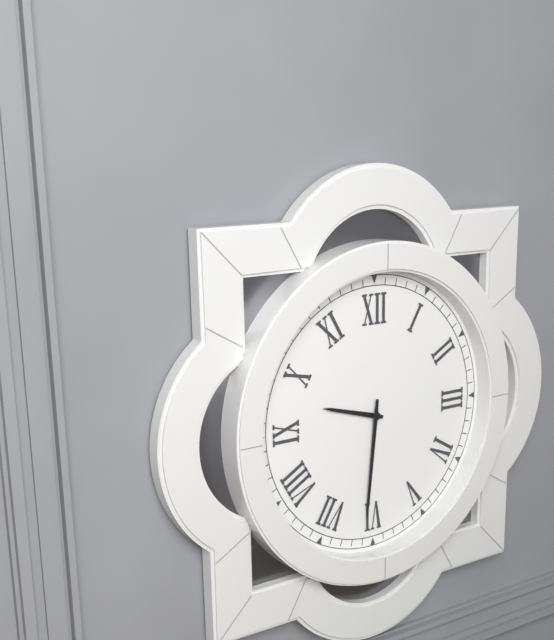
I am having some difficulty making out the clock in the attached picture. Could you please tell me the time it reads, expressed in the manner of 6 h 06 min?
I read 9 h 31 min
